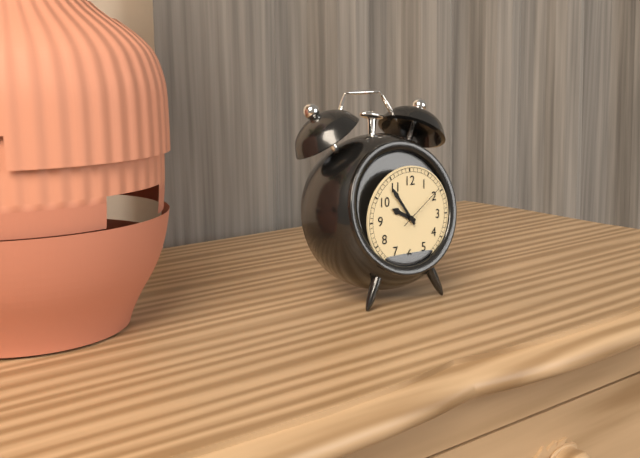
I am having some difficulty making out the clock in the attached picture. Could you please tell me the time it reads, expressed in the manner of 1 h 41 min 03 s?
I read 9 h 54 min 09 s
